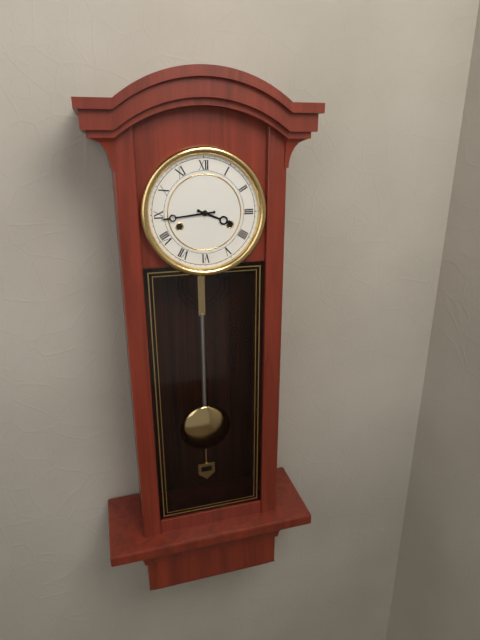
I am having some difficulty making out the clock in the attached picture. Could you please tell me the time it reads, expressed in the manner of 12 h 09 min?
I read 3 h 44 min
